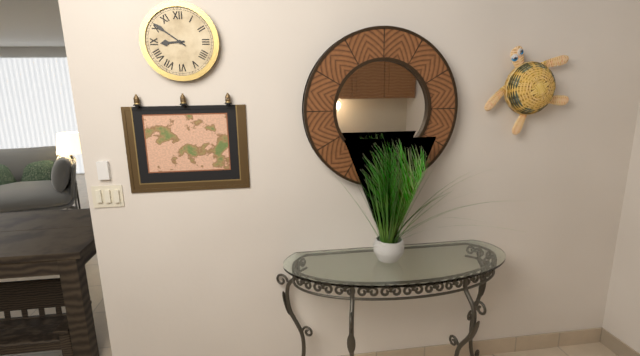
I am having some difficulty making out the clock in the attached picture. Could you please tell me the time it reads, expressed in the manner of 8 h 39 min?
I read 8 h 51 min
